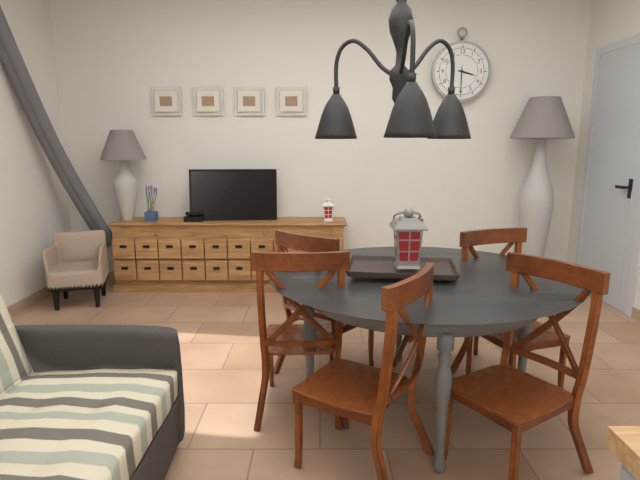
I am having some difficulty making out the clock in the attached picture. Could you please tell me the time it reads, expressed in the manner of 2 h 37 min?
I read 3 h 30 min
